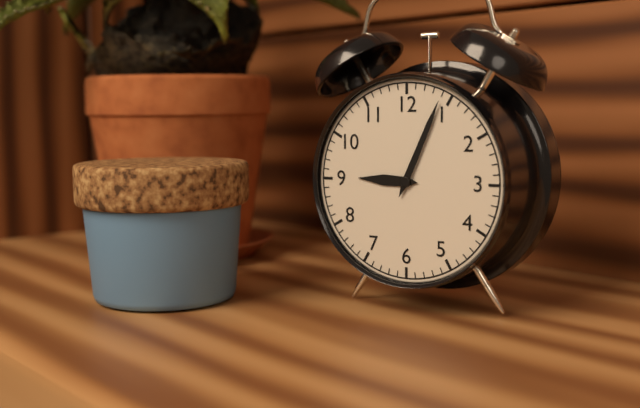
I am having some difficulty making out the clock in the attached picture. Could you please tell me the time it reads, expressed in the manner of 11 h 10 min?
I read 9 h 04 min
